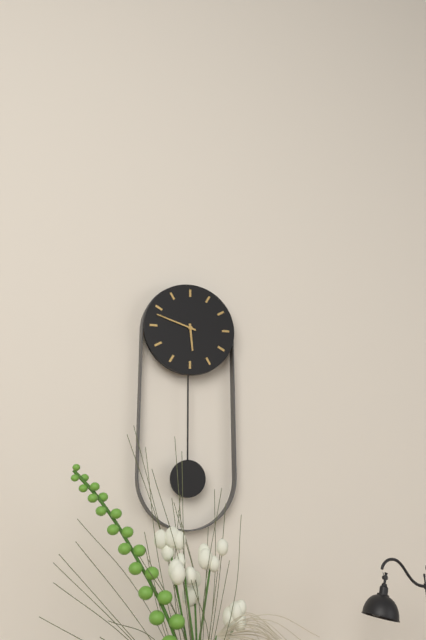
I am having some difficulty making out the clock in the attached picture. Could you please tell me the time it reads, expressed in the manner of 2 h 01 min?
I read 5 h 48 min
